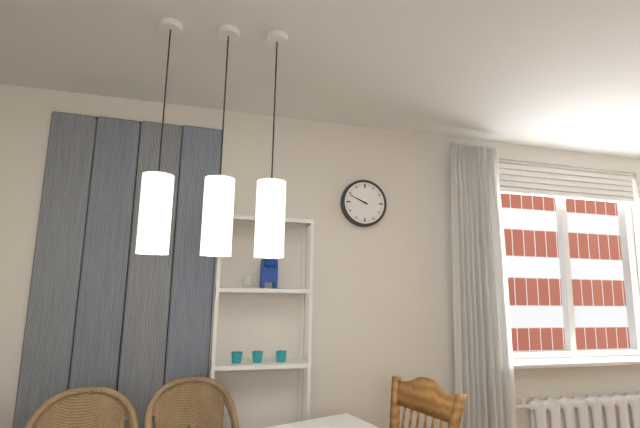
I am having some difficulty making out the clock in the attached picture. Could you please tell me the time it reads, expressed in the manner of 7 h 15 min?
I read 9 h 49 min
